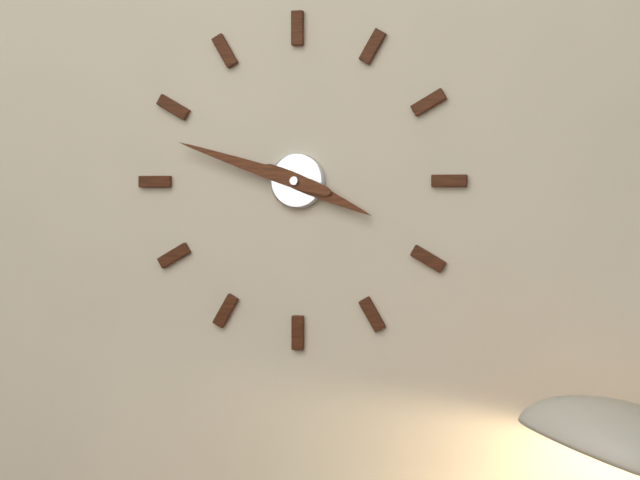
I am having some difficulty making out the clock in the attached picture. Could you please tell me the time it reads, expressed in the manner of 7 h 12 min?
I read 3 h 48 min
